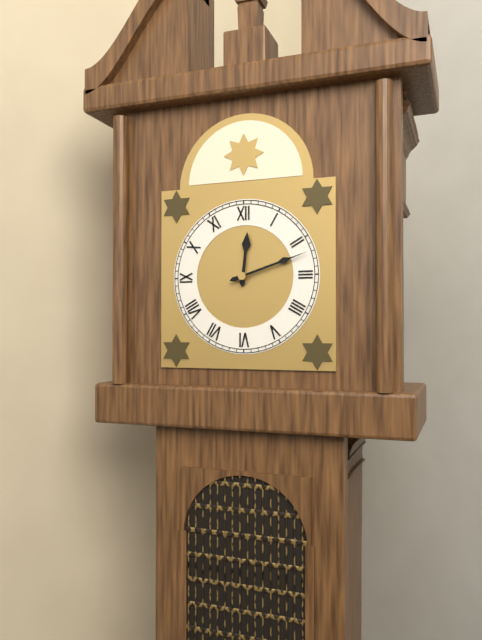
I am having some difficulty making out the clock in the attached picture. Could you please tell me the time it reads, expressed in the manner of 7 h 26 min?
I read 12 h 12 min
